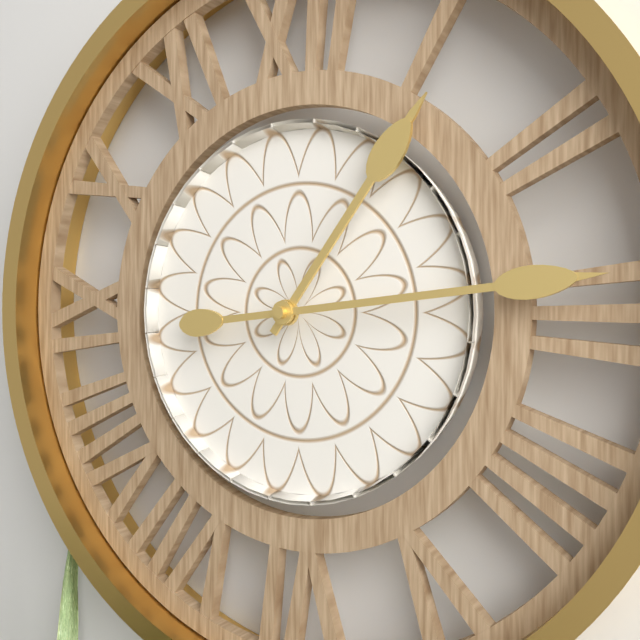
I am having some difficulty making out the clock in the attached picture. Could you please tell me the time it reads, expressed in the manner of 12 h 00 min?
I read 1 h 14 min
